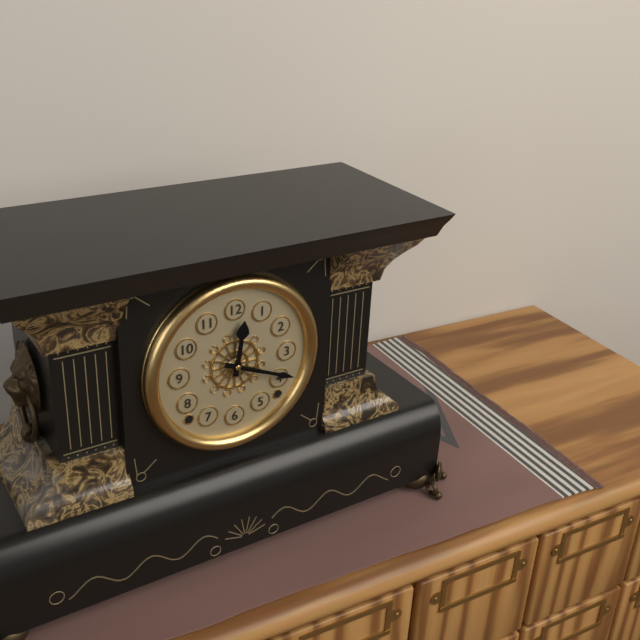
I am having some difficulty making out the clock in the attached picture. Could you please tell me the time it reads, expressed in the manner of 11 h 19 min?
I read 12 h 19 min
